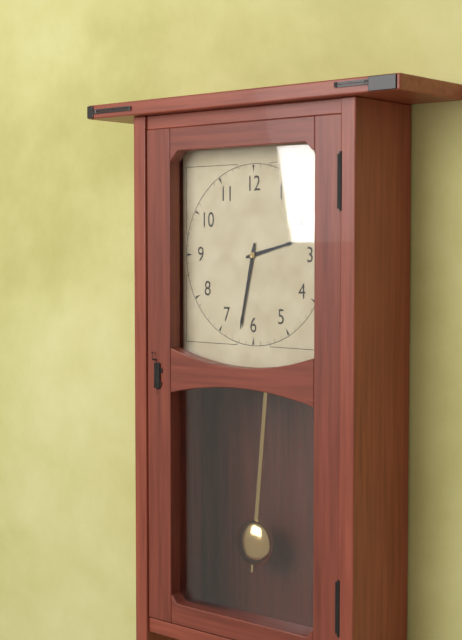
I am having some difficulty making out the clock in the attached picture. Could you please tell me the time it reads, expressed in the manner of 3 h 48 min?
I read 2 h 32 min
